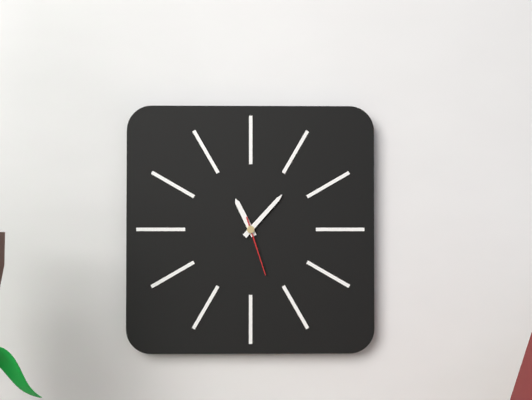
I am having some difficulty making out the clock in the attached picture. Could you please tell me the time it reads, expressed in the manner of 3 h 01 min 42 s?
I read 11 h 07 min 27 s
